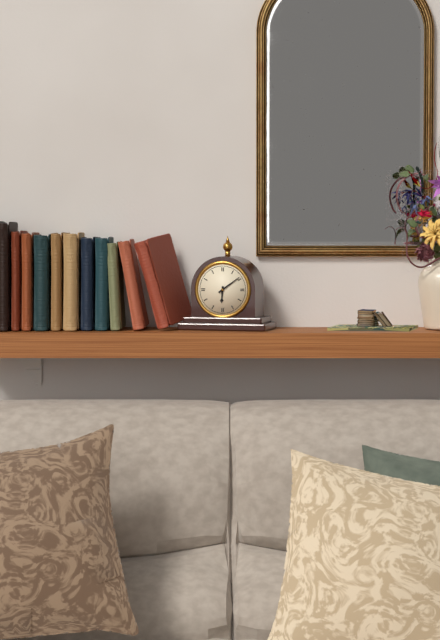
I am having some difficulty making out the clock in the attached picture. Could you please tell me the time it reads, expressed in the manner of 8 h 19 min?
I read 6 h 09 min
